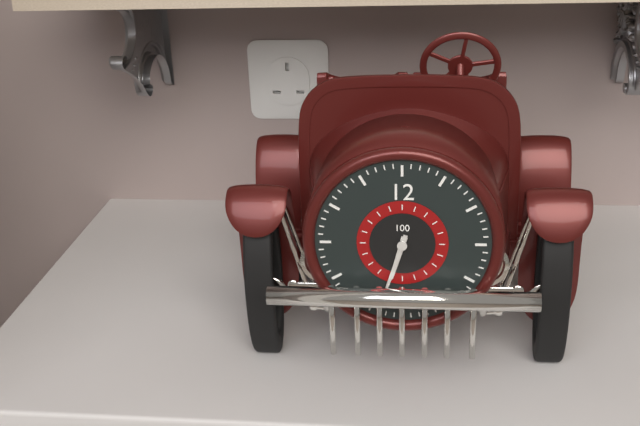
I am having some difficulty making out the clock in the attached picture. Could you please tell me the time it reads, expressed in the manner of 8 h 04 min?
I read 6 h 33 min
